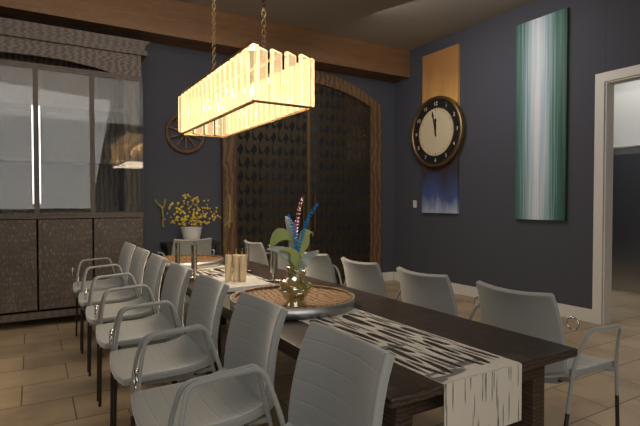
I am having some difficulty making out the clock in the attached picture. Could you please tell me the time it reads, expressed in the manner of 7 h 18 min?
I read 11 h 58 min
